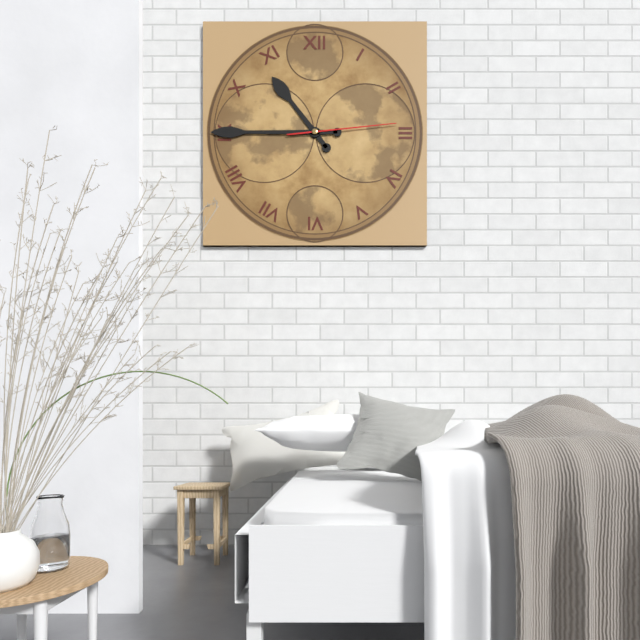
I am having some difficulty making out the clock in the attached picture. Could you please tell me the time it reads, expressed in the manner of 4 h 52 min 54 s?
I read 10 h 45 min 14 s
